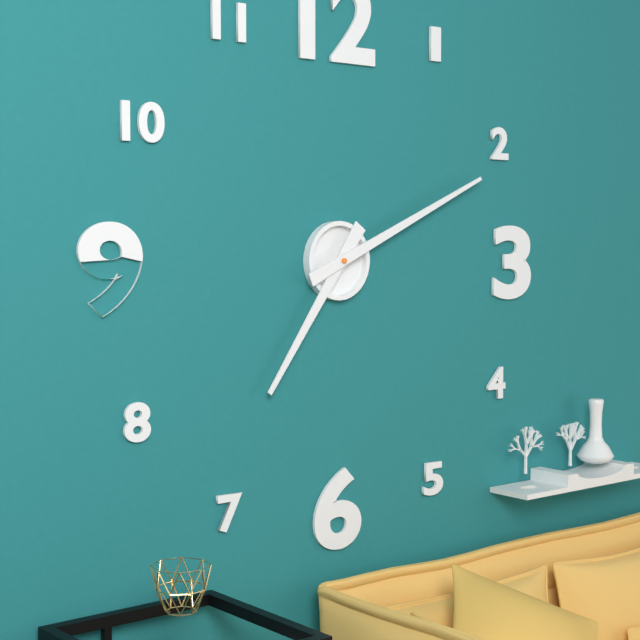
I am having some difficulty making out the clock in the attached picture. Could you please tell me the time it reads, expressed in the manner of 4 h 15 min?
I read 7 h 11 min
